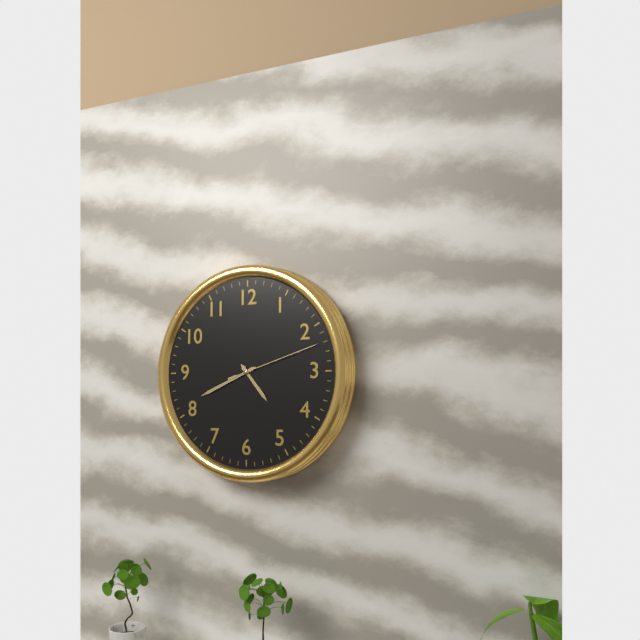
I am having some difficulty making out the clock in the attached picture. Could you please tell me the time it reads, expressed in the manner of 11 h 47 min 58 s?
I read 4 h 41 min 12 s
